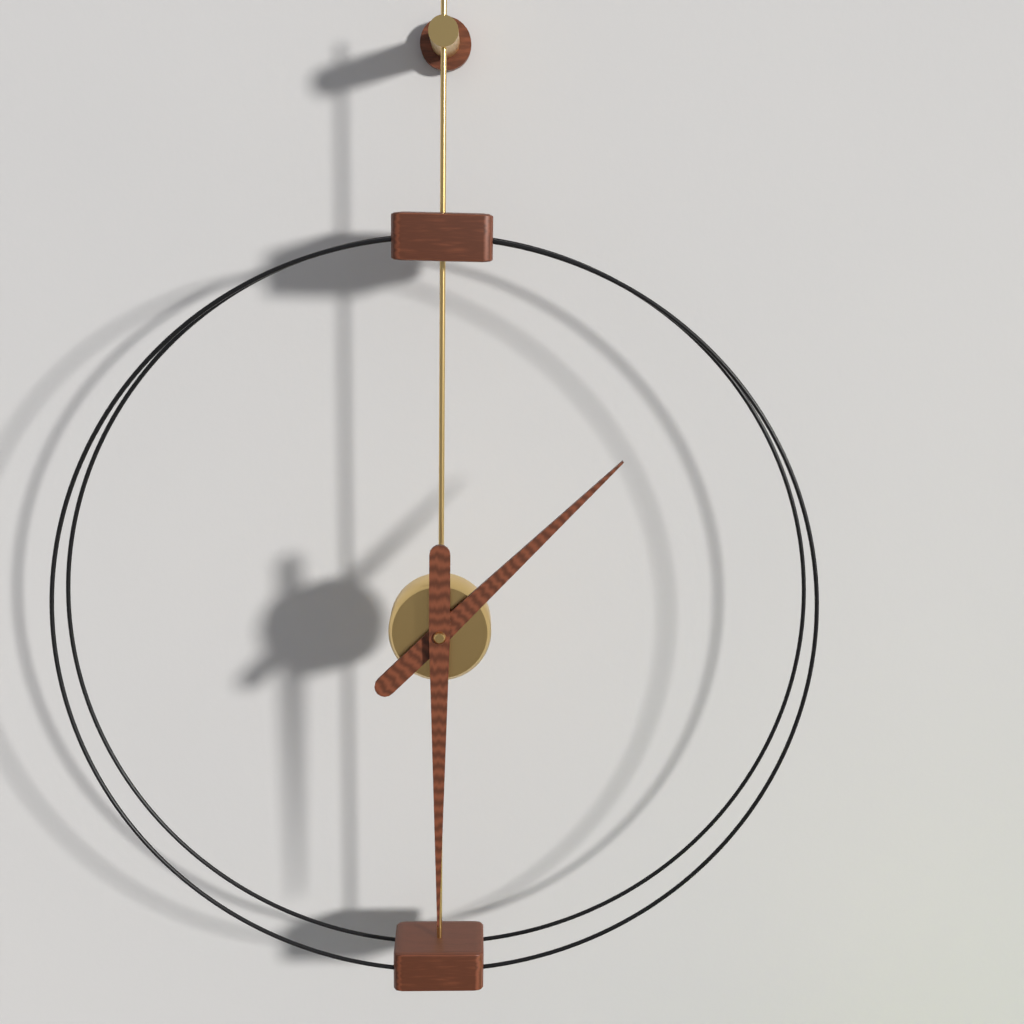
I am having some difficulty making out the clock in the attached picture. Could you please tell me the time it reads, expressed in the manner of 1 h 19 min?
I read 1 h 30 min
